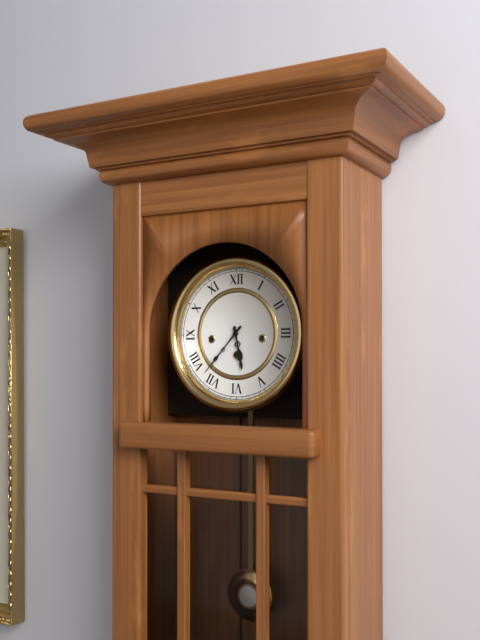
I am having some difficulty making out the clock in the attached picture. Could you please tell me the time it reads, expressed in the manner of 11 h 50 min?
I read 5 h 37 min
